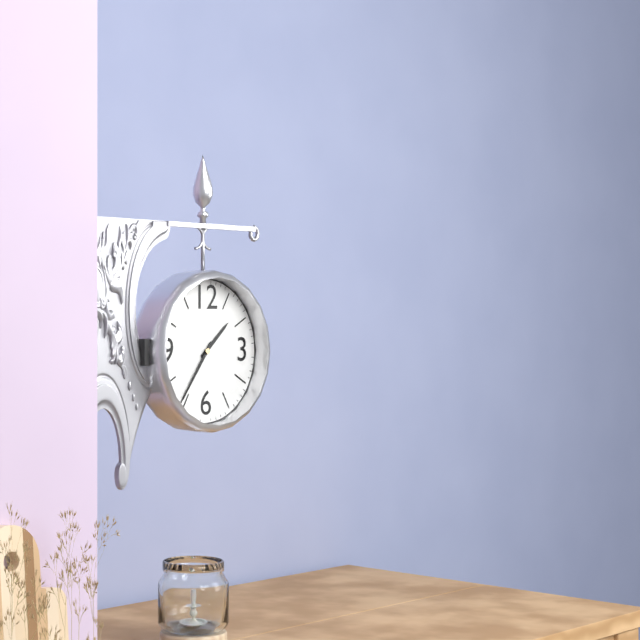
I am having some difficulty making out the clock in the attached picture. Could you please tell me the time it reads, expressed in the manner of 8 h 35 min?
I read 1 h 36 min
